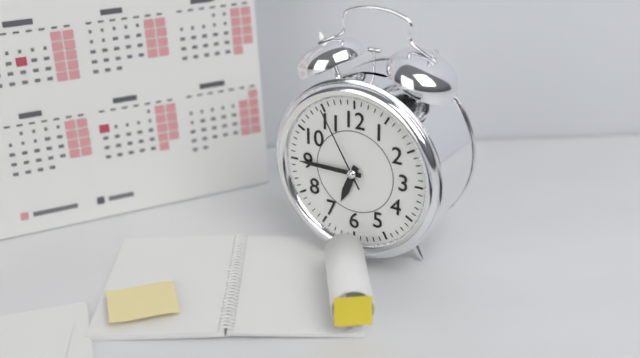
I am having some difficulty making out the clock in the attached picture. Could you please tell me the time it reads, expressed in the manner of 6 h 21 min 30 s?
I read 6 h 45 min 55 s
